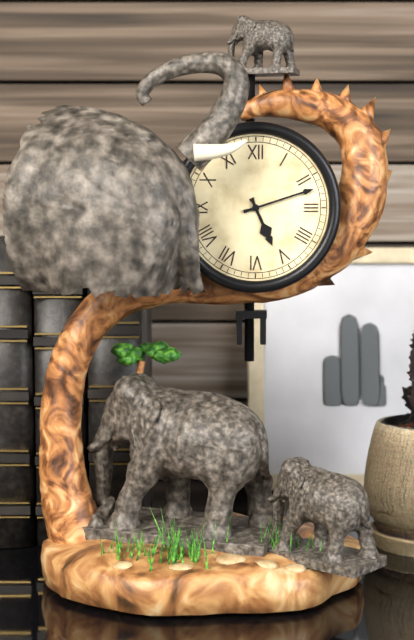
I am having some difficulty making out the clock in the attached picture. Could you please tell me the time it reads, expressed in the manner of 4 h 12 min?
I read 5 h 12 min
